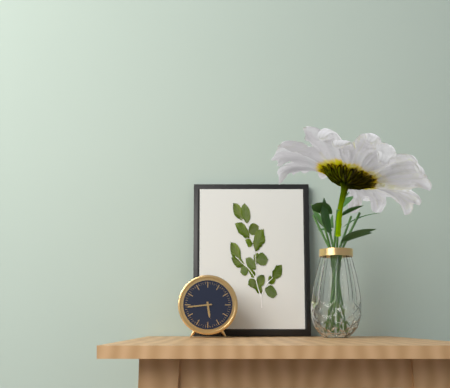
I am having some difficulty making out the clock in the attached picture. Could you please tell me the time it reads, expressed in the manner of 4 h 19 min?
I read 5 h 44 min
